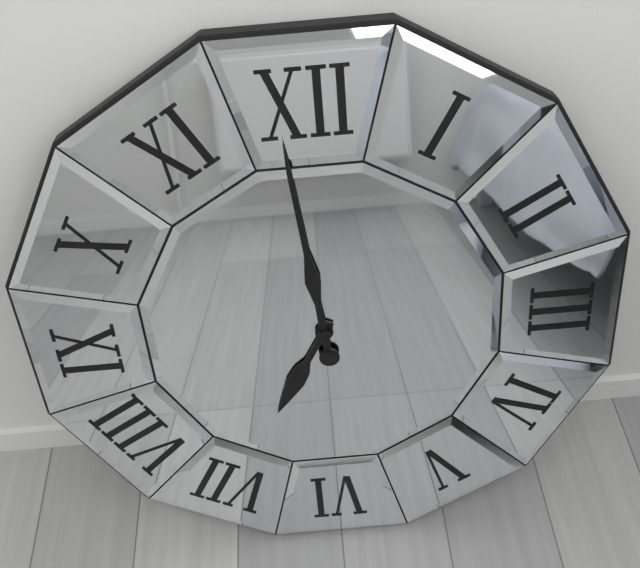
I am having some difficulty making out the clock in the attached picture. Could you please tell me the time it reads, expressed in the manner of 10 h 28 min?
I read 6 h 59 min
